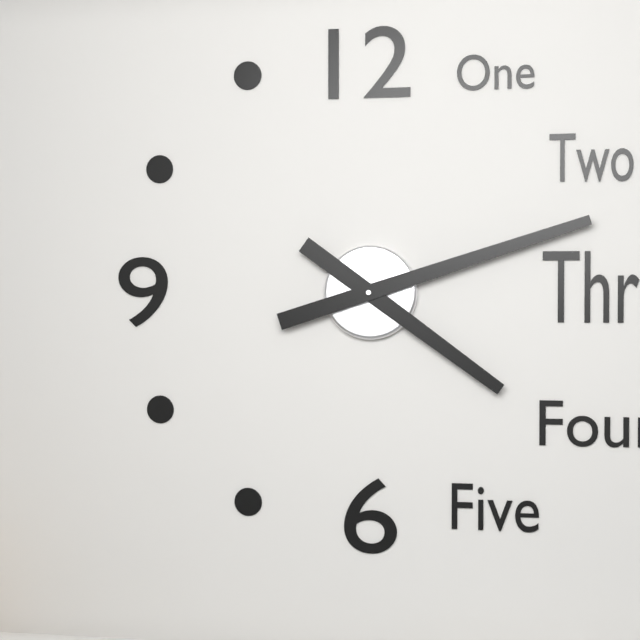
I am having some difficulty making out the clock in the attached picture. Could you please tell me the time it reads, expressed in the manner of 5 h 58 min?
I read 4 h 12 min
